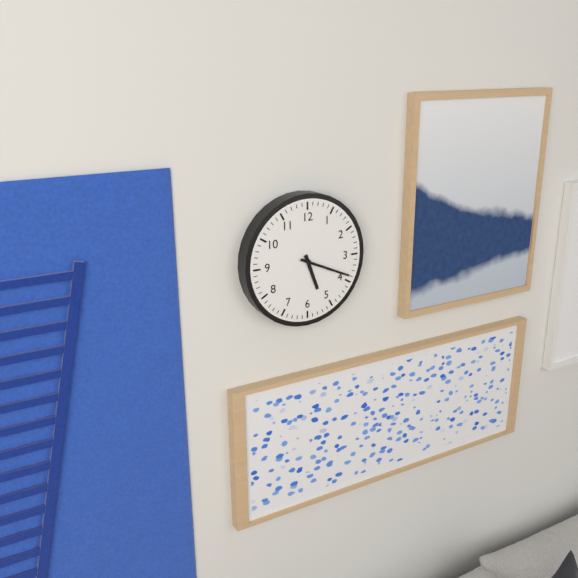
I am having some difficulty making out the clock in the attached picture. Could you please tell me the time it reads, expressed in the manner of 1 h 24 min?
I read 5 h 19 min
